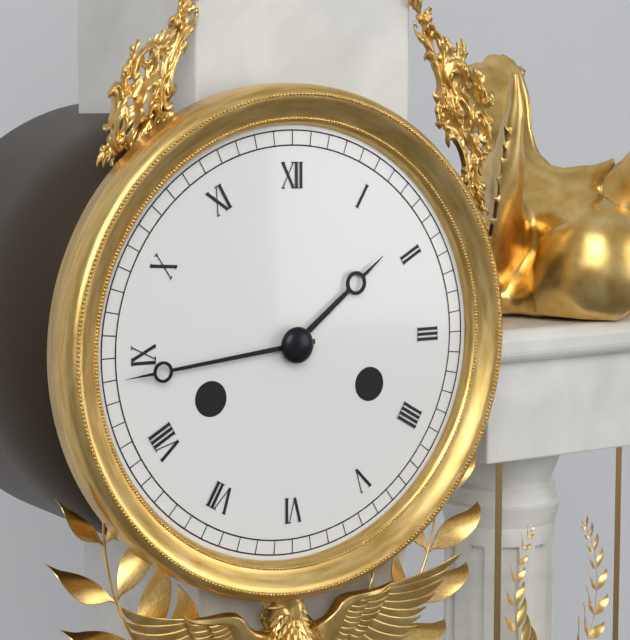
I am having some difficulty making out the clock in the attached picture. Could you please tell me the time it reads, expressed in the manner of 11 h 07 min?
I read 1 h 44 min
